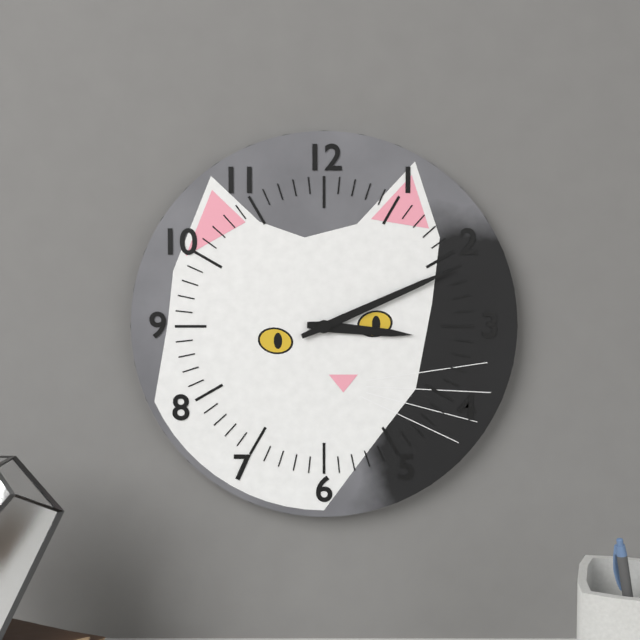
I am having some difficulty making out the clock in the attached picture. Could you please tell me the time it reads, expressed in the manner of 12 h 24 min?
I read 3 h 11 min
